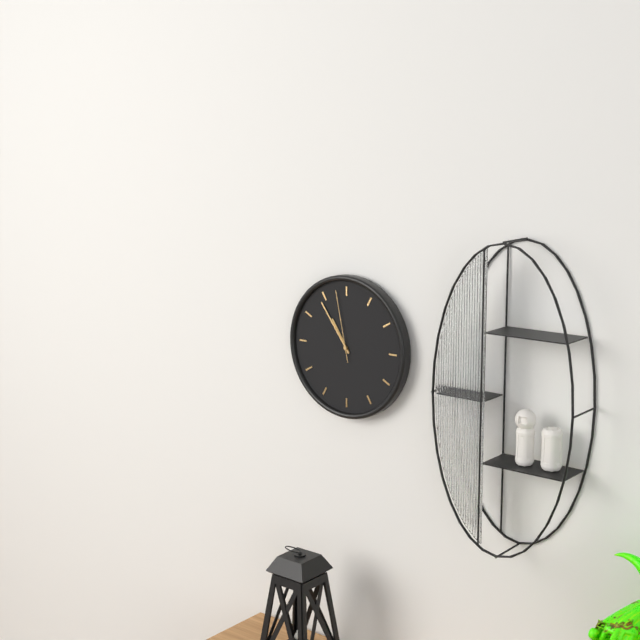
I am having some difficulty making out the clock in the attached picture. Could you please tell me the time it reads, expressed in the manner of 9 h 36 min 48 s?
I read 10 h 54 min 58 s
